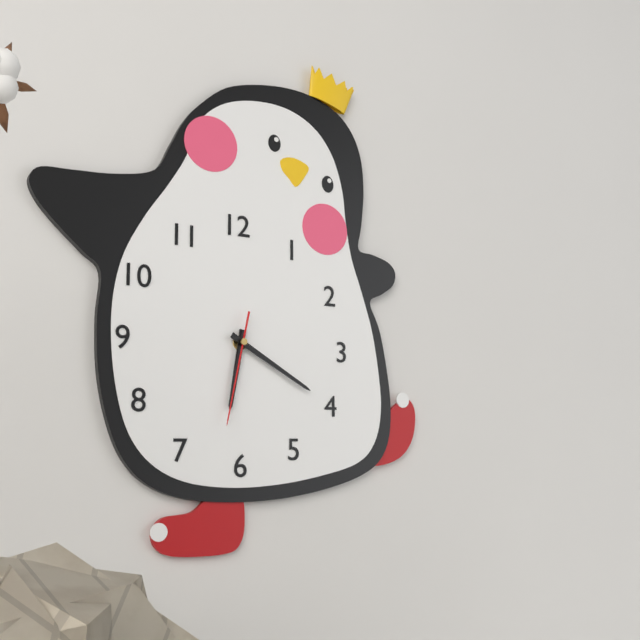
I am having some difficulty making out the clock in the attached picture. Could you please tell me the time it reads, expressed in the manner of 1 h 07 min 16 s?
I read 6 h 20 min 32 s
